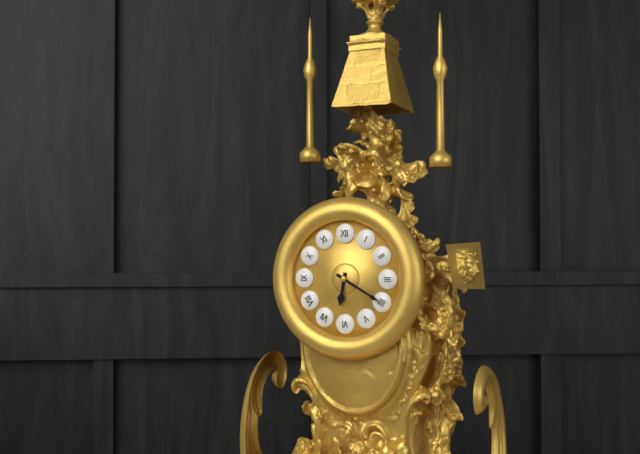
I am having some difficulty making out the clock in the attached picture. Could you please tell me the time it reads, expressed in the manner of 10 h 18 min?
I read 6 h 20 min
